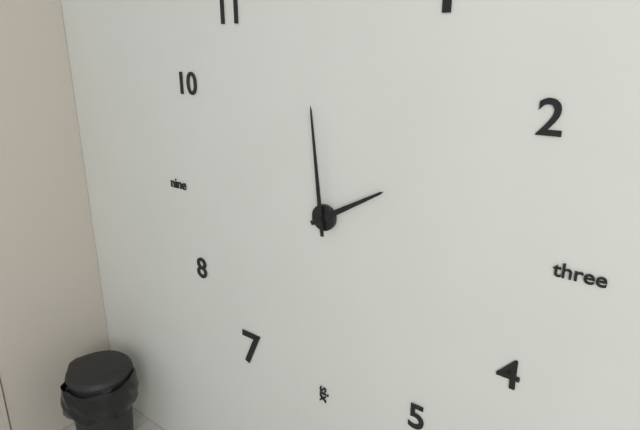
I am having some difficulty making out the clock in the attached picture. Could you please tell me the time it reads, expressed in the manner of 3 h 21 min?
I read 1 h 59 min
